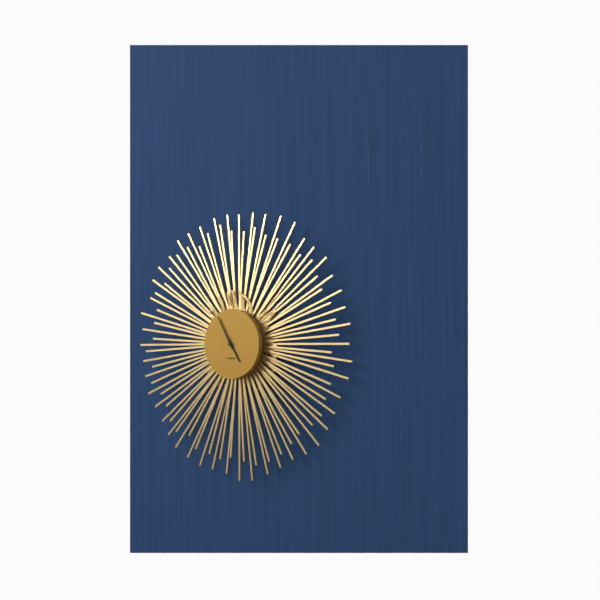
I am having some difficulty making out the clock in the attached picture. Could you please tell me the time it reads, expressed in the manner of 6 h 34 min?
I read 4 h 55 min
